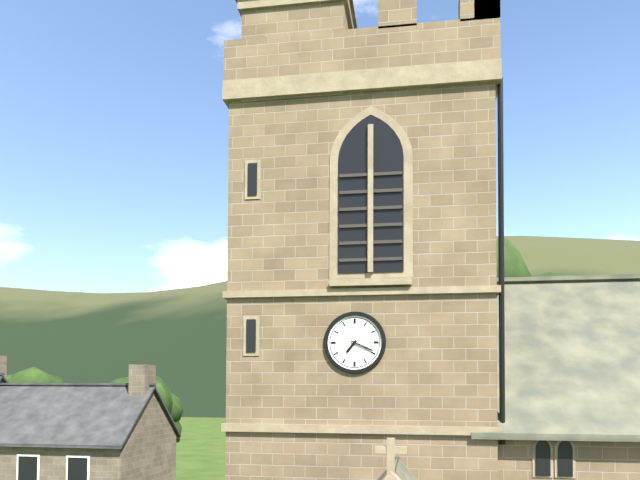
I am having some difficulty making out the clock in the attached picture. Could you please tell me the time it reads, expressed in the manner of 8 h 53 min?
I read 7 h 19 min
